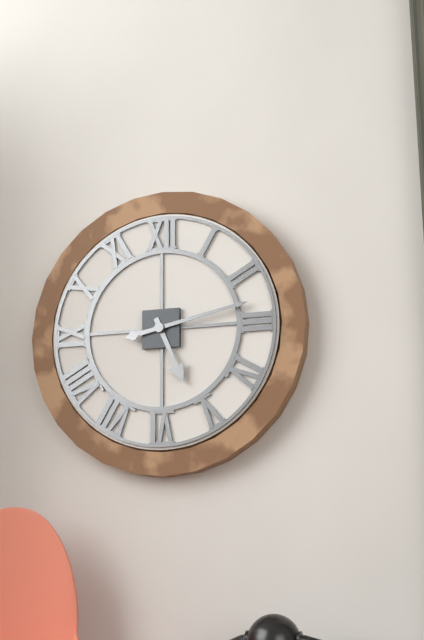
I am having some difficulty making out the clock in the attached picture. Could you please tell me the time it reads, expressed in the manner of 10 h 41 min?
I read 5 h 13 min
